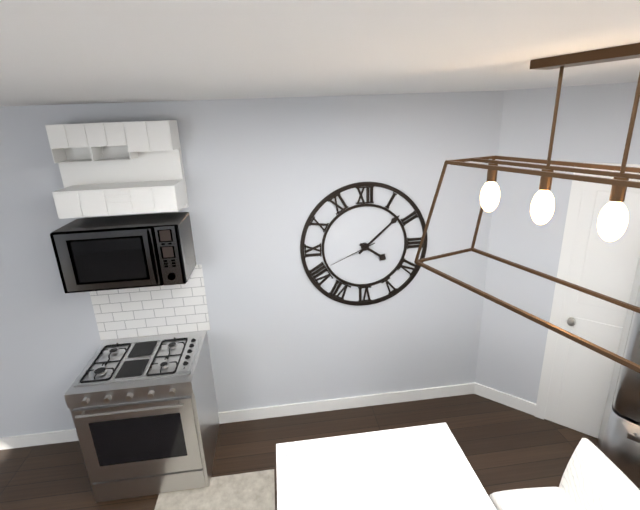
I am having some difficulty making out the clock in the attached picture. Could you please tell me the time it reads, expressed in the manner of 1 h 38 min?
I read 4 h 08 min
